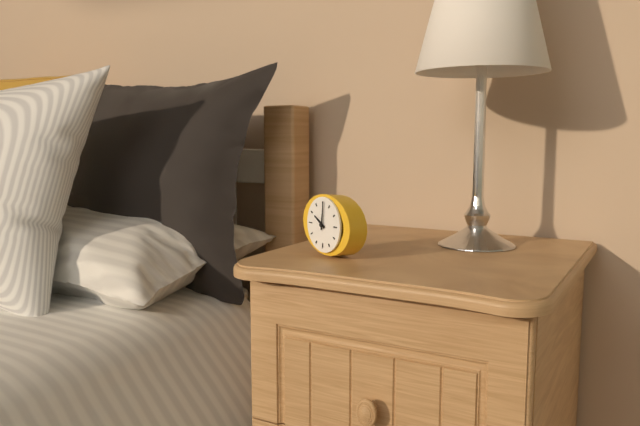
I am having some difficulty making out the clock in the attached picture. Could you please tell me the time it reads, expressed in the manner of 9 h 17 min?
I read 10 h 01 min
